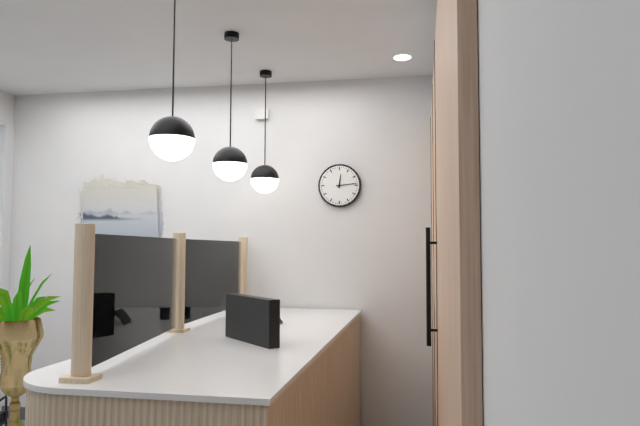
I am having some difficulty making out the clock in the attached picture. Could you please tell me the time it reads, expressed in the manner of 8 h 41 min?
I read 12 h 14 min
